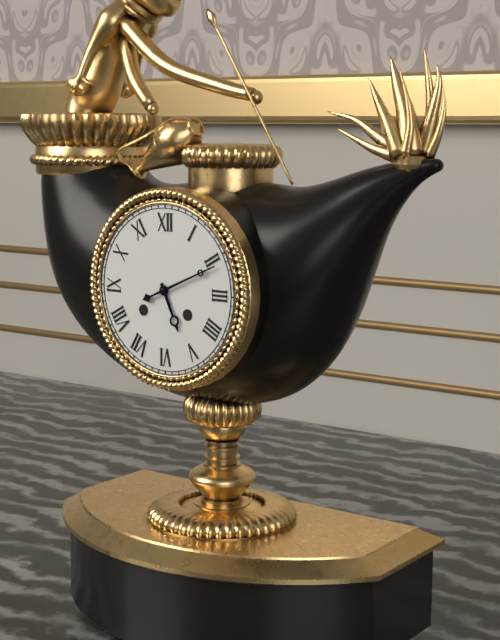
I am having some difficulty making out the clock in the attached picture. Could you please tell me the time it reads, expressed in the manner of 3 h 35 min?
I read 5 h 11 min
